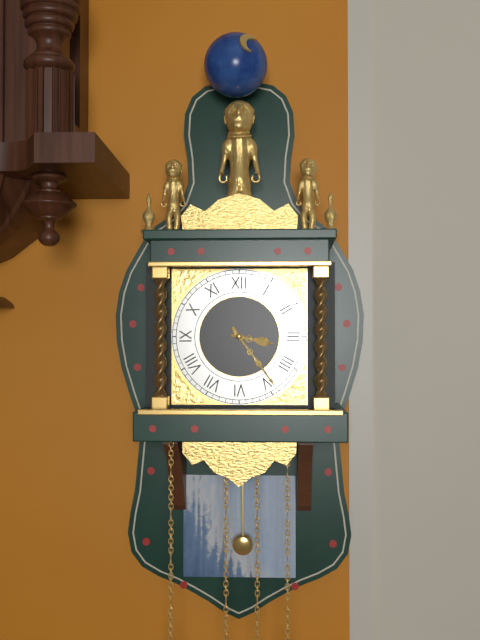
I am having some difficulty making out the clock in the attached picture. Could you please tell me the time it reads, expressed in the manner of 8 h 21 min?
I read 3 h 24 min
